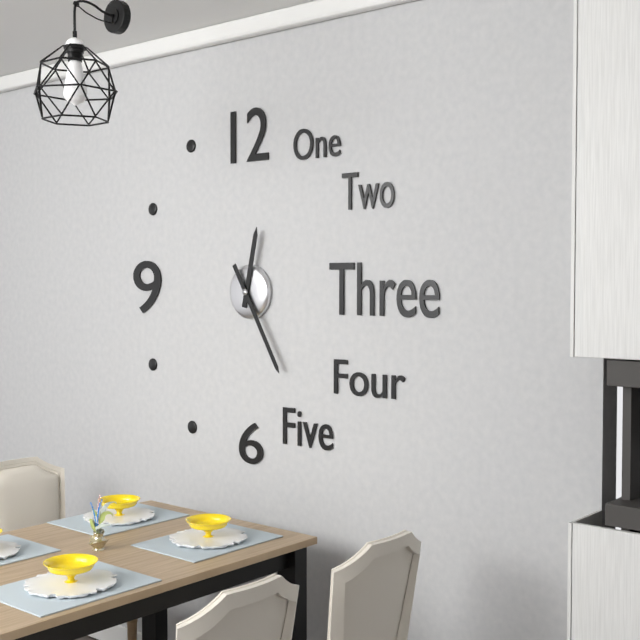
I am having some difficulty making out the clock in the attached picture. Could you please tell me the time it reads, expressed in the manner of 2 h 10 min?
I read 12 h 25 min
